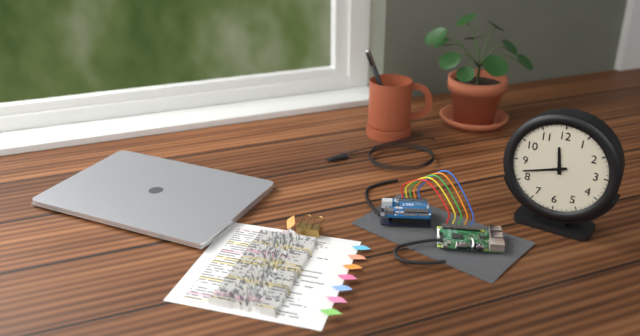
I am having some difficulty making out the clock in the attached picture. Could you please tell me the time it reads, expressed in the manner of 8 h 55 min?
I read 11 h 42 min
